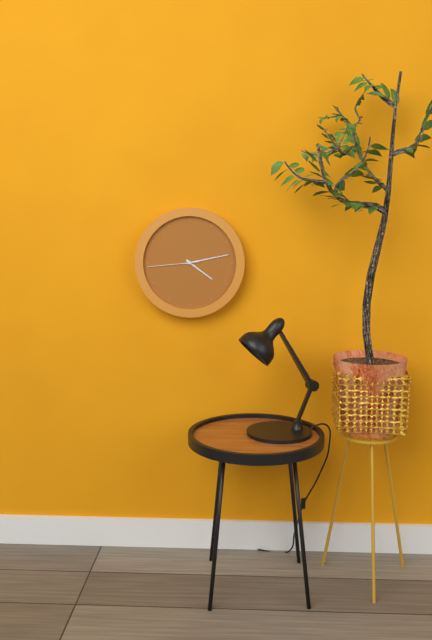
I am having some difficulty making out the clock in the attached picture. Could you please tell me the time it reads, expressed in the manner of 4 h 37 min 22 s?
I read 4 h 13 min 44 s
